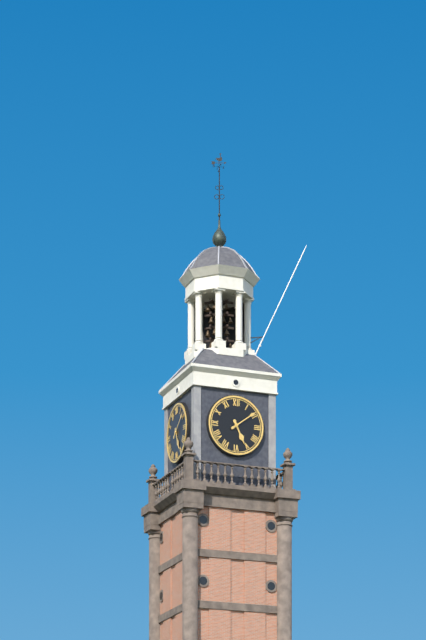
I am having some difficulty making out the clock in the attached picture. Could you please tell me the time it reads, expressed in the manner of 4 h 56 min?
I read 5 h 09 min
